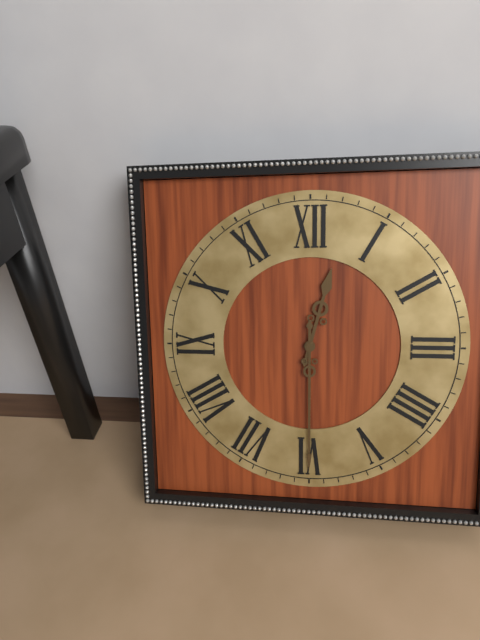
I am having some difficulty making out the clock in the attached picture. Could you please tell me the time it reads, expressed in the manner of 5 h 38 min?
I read 12 h 30 min
